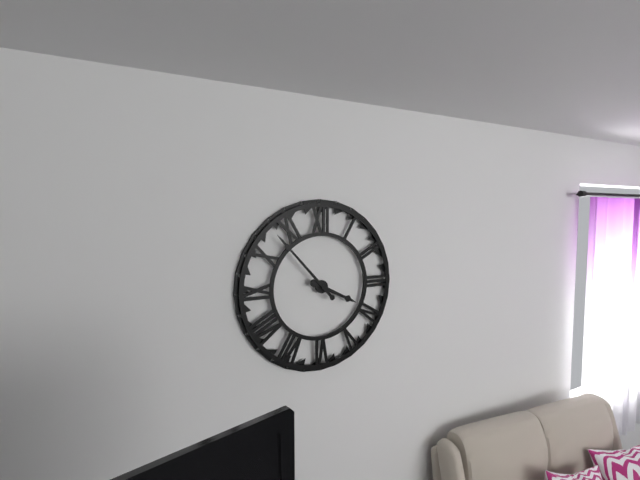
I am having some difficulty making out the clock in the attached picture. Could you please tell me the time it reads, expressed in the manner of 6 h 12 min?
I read 3 h 53 min
